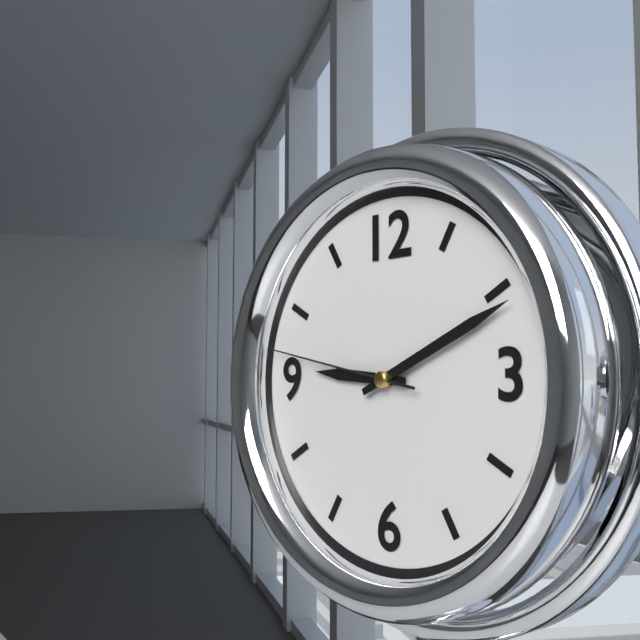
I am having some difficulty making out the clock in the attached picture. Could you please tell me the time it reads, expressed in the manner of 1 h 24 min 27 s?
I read 9 h 11 min 47 s
